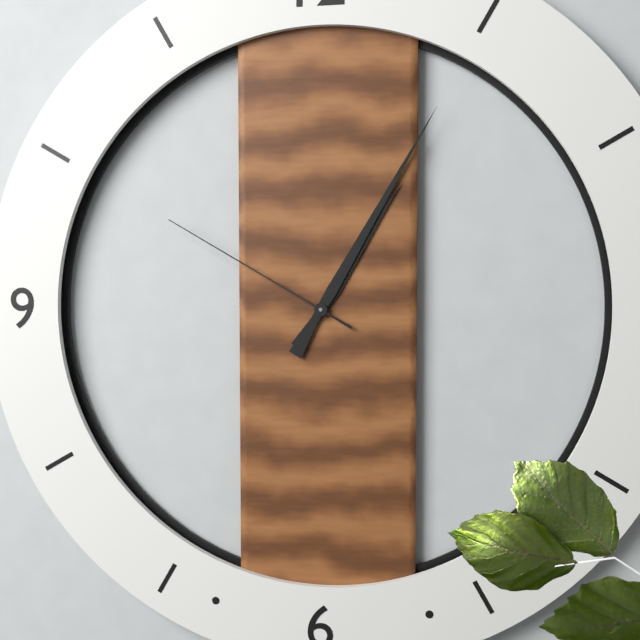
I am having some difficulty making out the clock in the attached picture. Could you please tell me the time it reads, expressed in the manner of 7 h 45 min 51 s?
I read 1 h 05 min 50 s
